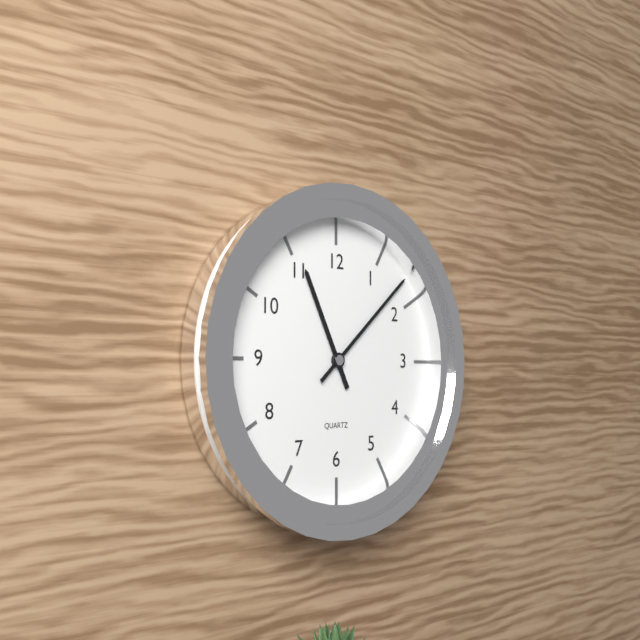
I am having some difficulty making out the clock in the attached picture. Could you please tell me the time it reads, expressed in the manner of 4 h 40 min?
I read 11 h 08 min
